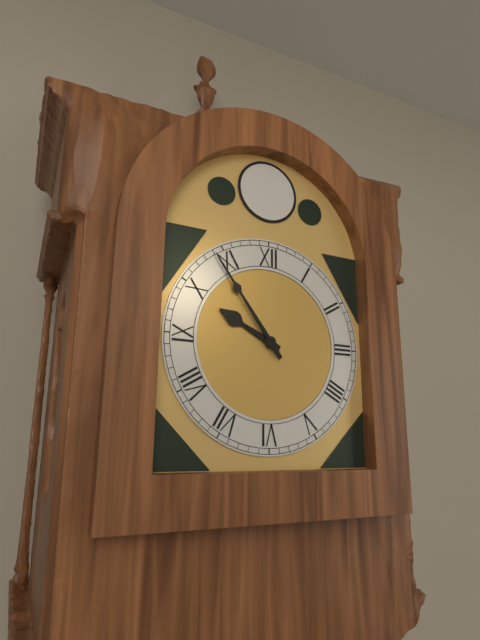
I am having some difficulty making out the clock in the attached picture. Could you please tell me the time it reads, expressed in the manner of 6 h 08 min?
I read 9 h 54 min
